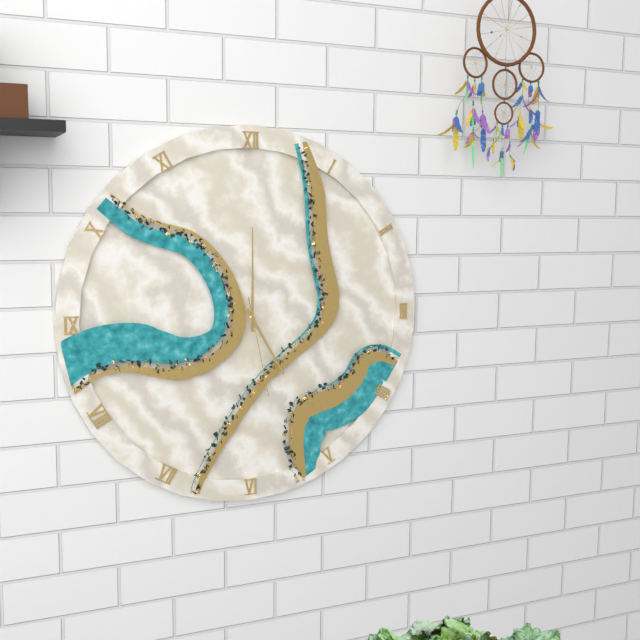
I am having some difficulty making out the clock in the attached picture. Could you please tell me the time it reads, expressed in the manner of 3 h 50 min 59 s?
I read 5 h 00 min 28 s
